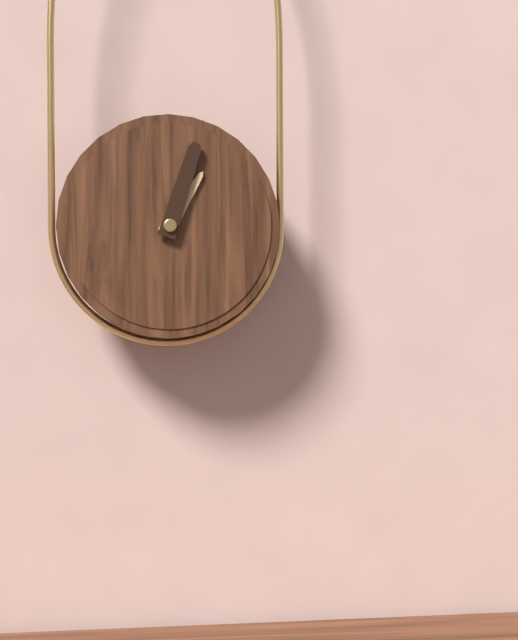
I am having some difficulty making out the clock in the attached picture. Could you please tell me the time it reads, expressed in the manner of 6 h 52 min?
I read 1 h 03 min
